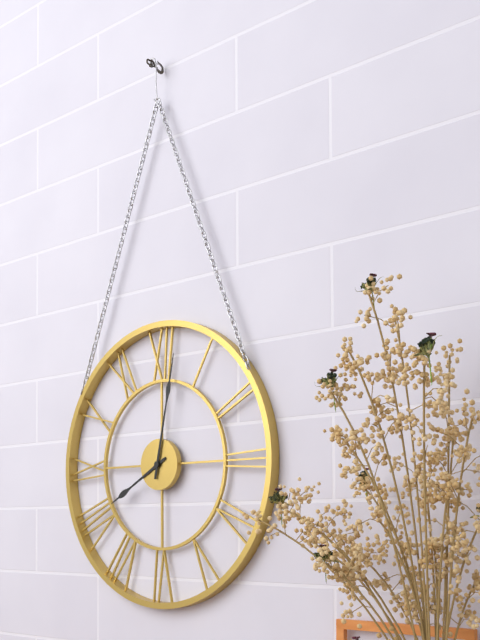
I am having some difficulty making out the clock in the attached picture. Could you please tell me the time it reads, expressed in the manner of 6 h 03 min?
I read 8 h 02 min
